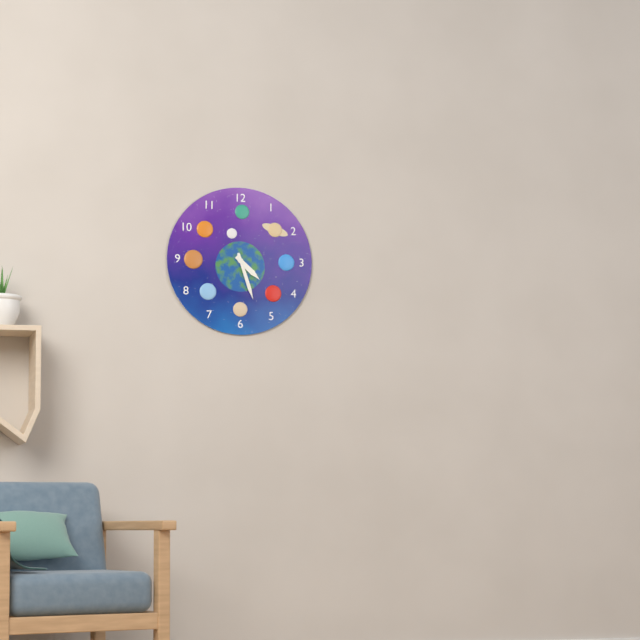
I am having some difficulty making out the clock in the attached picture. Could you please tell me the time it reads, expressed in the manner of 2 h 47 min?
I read 4 h 27 min
